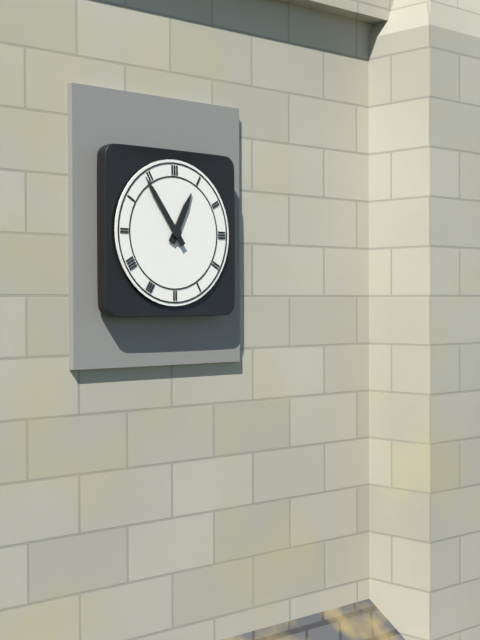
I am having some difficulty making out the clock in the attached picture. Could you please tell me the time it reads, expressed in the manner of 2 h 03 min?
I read 12 h 54 min
